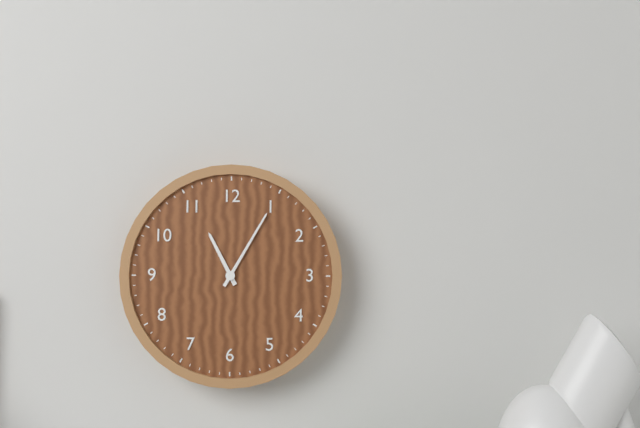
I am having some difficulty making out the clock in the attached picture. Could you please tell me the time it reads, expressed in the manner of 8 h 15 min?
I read 11 h 05 min
